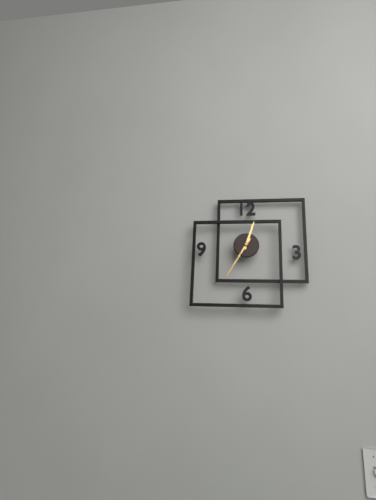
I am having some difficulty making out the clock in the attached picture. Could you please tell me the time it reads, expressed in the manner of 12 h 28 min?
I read 12 h 35 min
